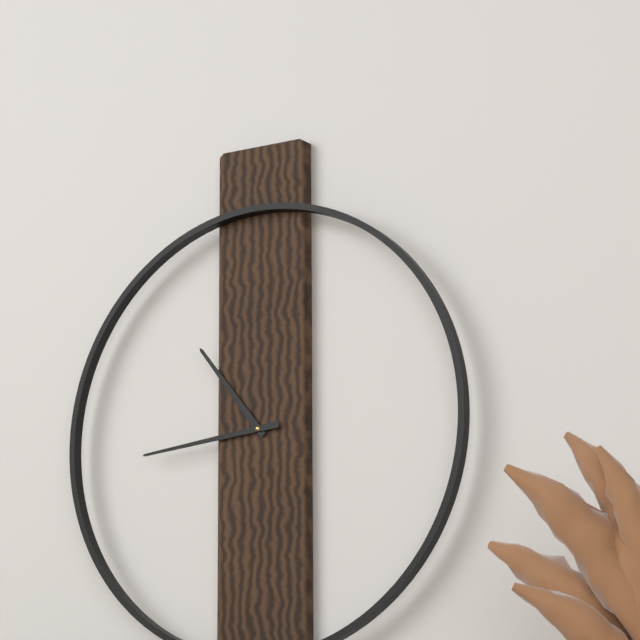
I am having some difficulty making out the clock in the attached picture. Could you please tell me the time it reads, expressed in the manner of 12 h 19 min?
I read 10 h 44 min
